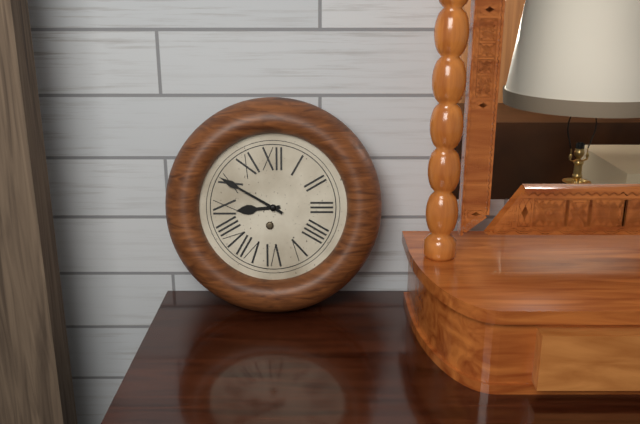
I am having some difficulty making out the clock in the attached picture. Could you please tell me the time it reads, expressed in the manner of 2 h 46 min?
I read 8 h 50 min
